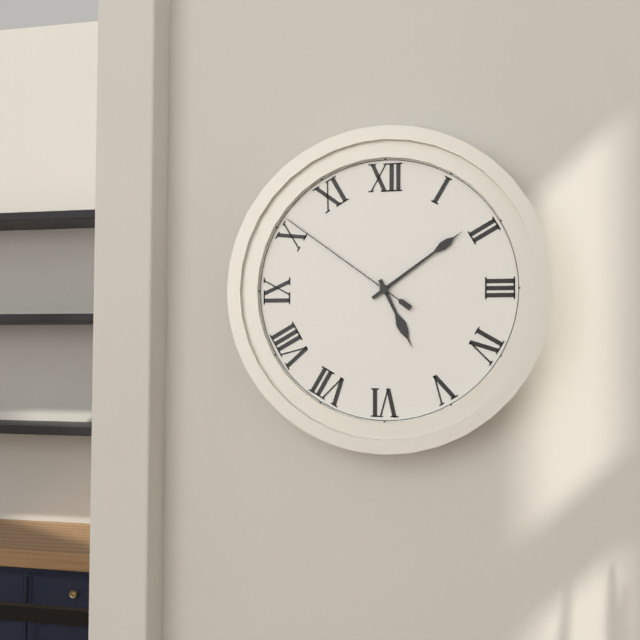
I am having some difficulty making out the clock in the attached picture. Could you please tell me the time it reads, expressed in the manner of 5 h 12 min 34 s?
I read 5 h 09 min 51 s
